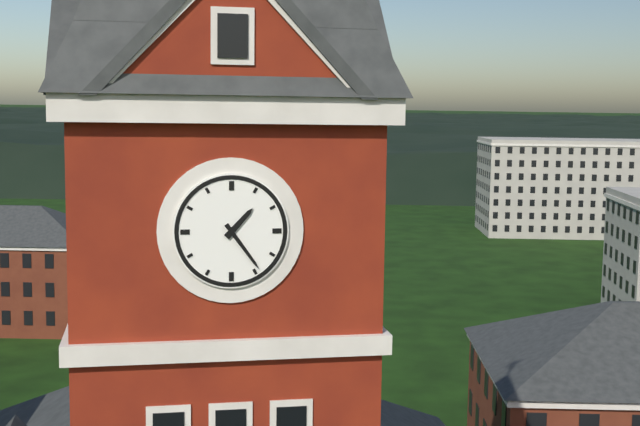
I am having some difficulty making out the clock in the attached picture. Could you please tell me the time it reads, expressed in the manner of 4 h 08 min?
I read 1 h 24 min
